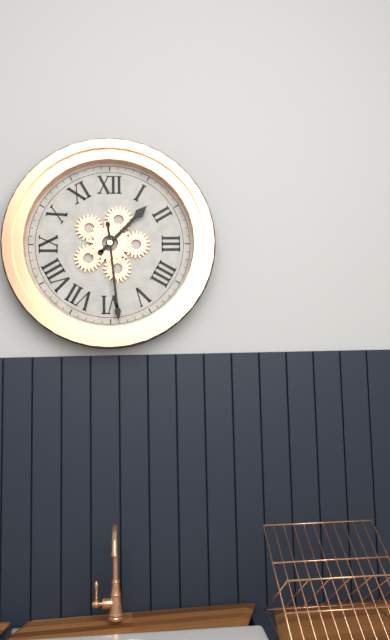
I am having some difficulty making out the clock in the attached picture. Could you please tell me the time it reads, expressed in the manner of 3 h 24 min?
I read 1 h 29 min
